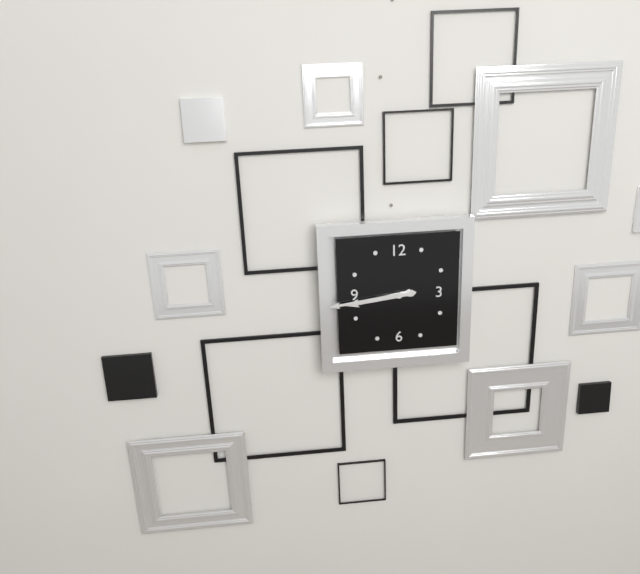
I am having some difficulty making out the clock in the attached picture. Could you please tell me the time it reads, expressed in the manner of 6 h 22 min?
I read 8 h 44 min
